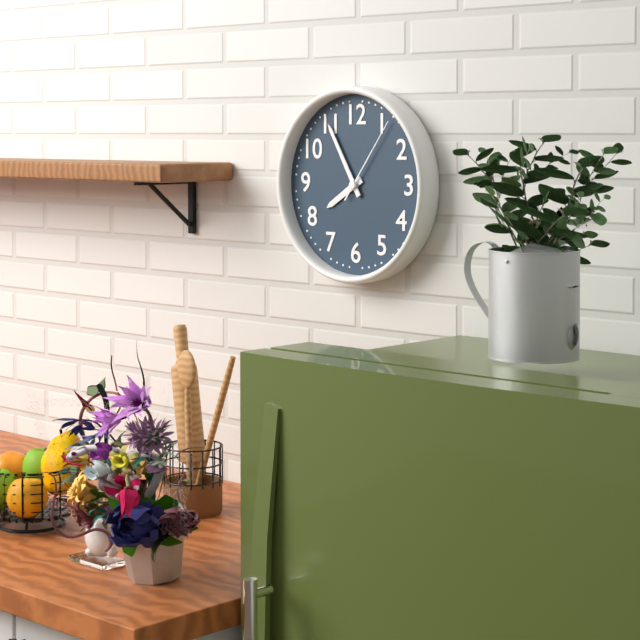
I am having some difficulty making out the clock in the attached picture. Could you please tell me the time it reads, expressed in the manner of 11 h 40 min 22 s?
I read 7 h 55 min 06 s
